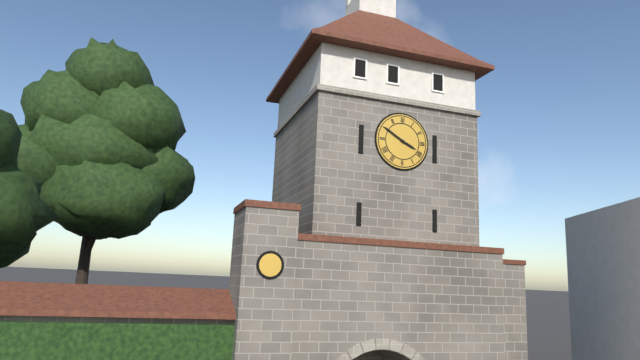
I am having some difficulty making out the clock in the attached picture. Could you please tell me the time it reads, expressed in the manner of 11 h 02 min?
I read 3 h 50 min
